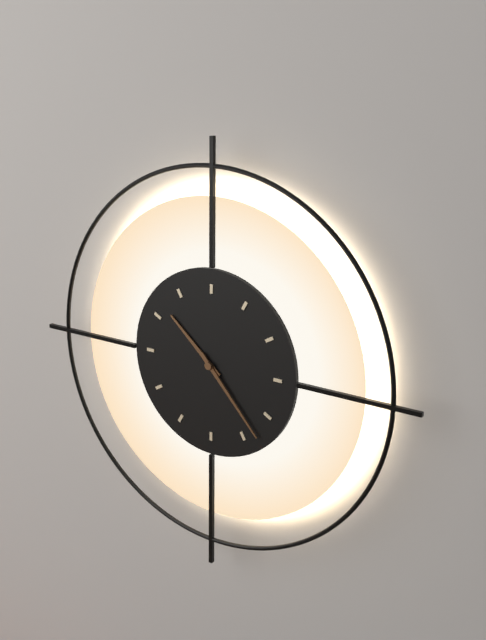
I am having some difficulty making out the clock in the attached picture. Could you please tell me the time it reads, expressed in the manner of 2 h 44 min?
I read 10 h 23 min
